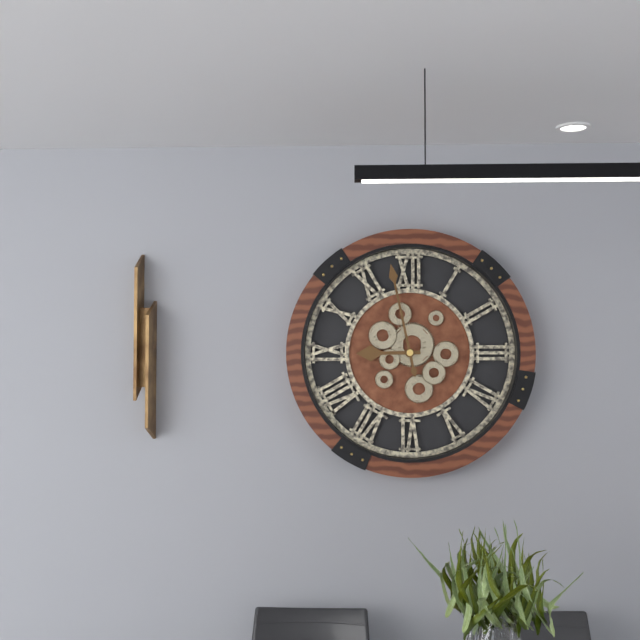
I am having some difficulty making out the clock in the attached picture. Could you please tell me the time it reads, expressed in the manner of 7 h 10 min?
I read 8 h 58 min
